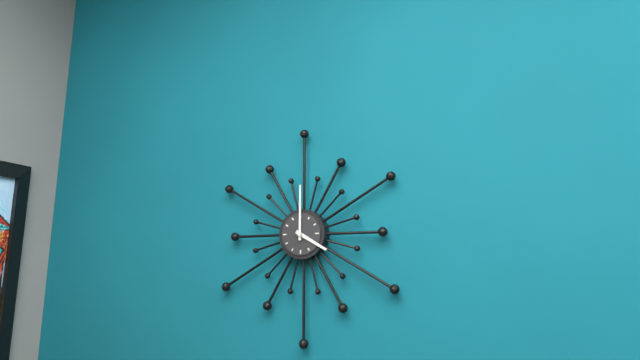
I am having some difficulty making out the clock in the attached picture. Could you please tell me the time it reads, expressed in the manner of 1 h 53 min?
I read 4 h 00 min
